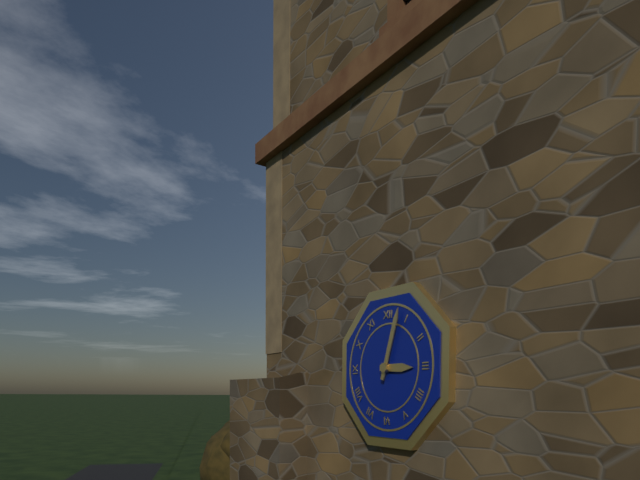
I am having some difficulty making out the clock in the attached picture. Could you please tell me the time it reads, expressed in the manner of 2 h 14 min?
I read 3 h 03 min
